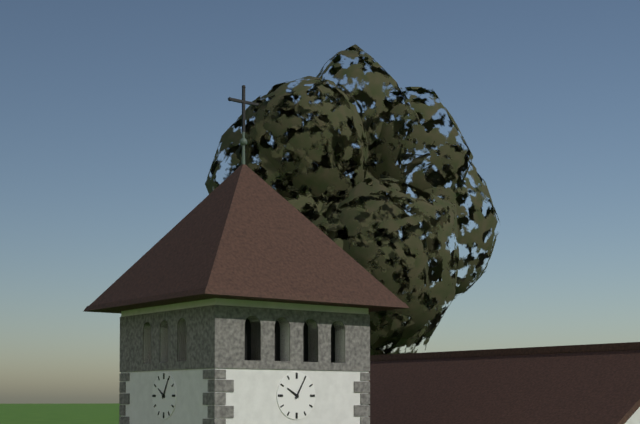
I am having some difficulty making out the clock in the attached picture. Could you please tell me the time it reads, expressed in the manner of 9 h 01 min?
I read 10 h 05 min
